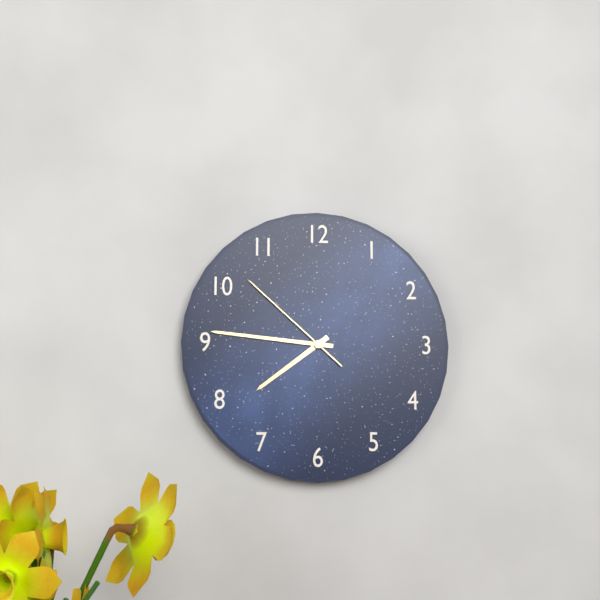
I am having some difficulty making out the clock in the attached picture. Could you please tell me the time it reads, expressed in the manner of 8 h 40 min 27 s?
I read 7 h 46 min 52 s
